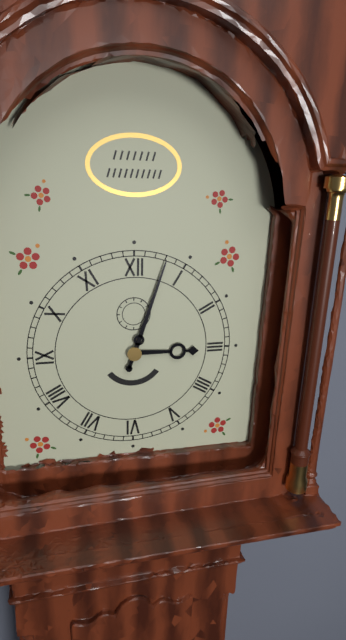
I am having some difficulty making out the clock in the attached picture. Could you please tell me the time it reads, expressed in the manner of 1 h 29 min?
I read 3 h 03 min
